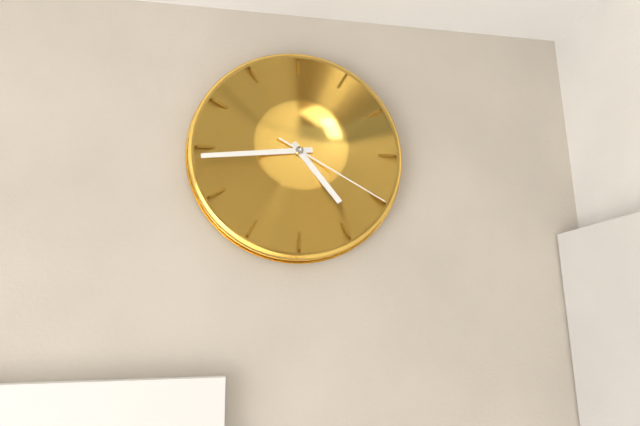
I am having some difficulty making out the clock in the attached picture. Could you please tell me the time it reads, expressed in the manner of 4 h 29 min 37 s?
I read 4 h 44 min 20 s
